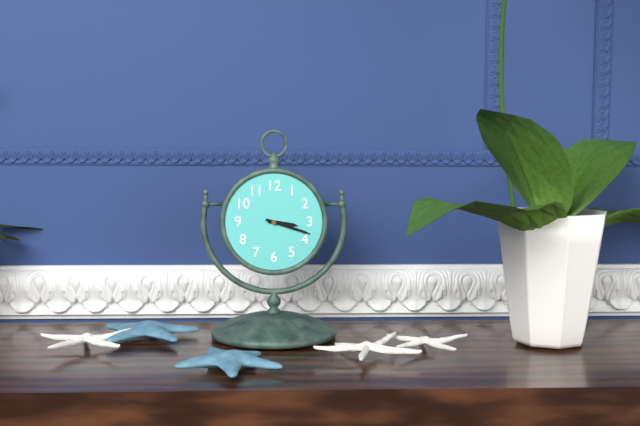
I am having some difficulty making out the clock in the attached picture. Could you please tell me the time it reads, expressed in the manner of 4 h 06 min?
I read 3 h 18 min
